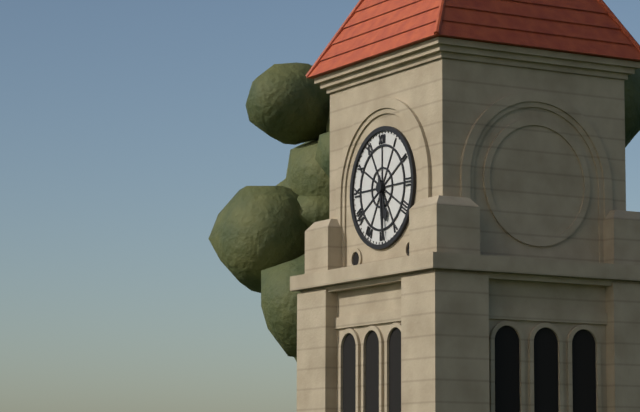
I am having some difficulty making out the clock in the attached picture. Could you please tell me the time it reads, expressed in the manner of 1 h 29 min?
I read 5 h 29 min
